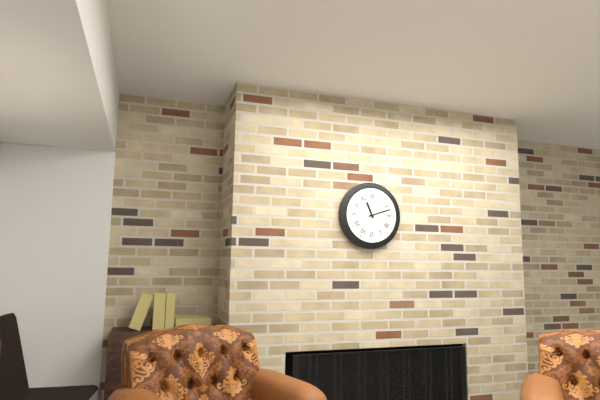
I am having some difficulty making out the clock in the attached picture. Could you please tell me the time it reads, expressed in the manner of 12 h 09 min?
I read 11 h 12 min
